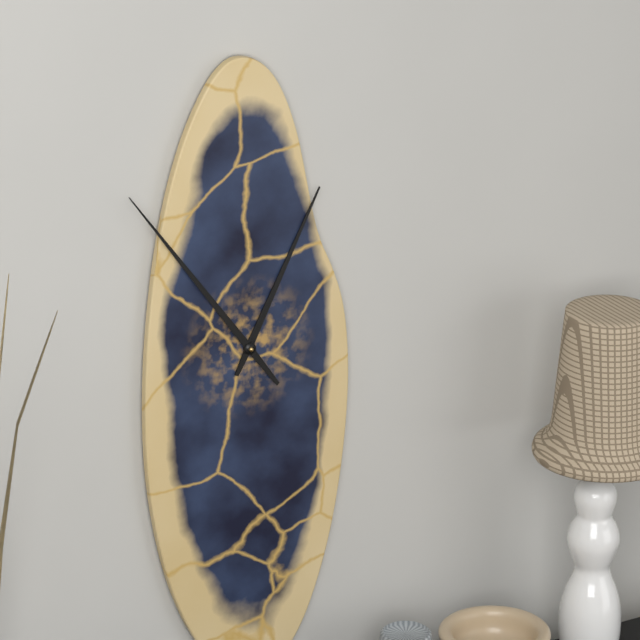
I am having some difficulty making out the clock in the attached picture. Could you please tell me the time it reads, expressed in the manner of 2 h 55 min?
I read 12 h 54 min
